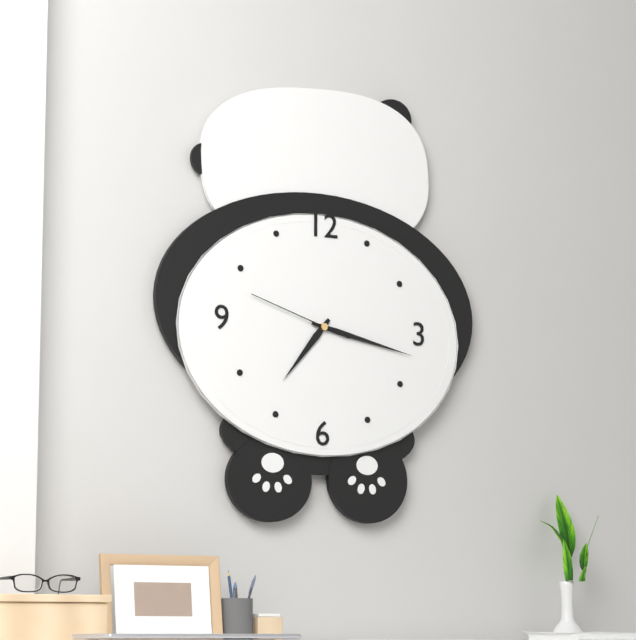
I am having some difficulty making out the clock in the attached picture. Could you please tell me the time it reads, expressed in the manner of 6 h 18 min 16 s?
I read 7 h 17 min 48 s
